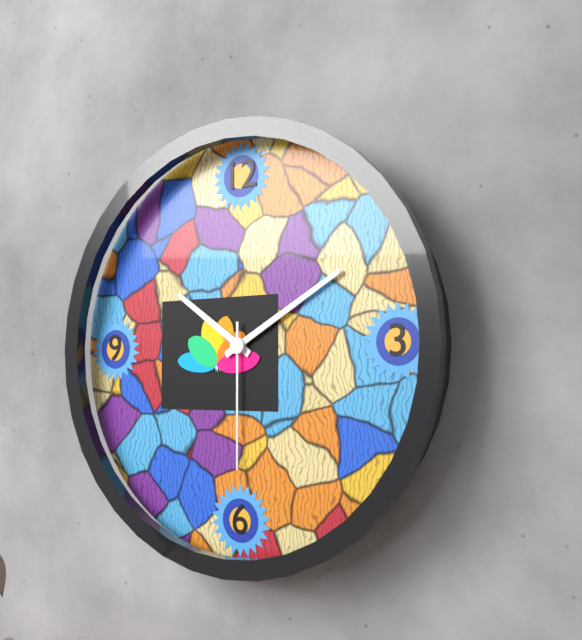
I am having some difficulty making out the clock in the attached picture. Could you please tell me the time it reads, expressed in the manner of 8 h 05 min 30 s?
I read 10 h 10 min 30 s
